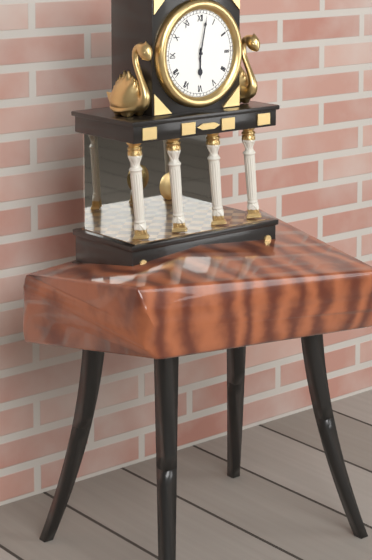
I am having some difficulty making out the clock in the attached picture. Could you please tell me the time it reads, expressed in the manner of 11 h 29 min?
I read 6 h 02 min
